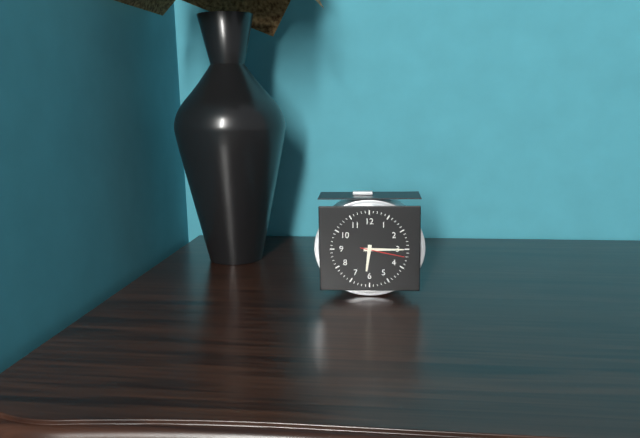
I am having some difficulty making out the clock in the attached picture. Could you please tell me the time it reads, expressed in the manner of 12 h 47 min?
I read 6 h 15 min
